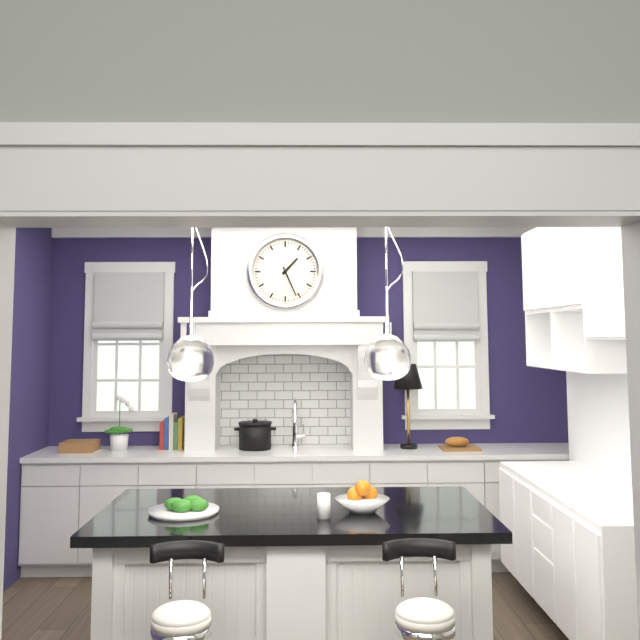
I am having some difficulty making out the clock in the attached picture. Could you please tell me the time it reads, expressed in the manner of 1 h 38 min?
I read 1 h 26 min
